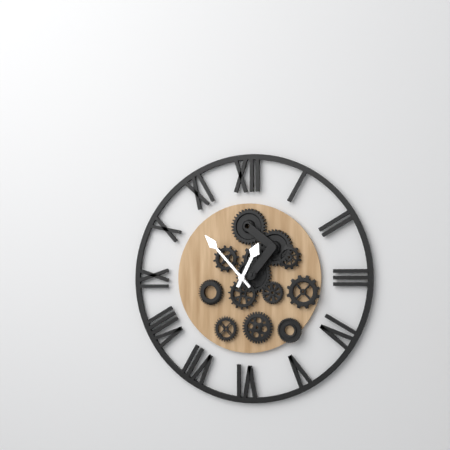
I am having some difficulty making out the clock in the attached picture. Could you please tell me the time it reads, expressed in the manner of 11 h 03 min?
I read 12 h 53 min
